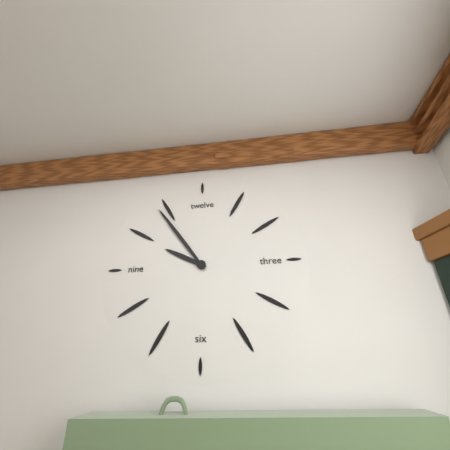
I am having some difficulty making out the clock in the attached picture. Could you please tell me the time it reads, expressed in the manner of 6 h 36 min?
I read 9 h 54 min
